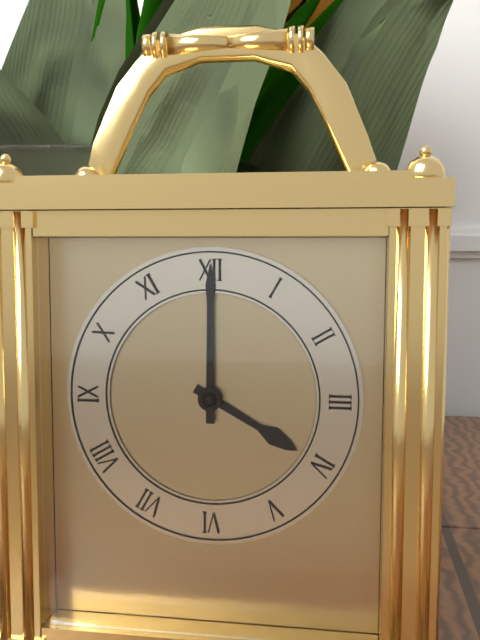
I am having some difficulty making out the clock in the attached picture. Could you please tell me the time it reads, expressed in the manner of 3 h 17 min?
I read 4 h 00 min
